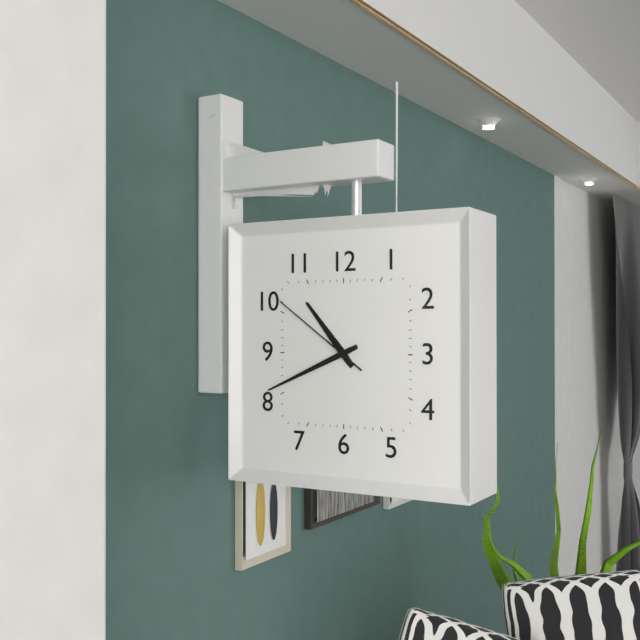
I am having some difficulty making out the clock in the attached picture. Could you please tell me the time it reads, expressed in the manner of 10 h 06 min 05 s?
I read 10 h 41 min 51 s
